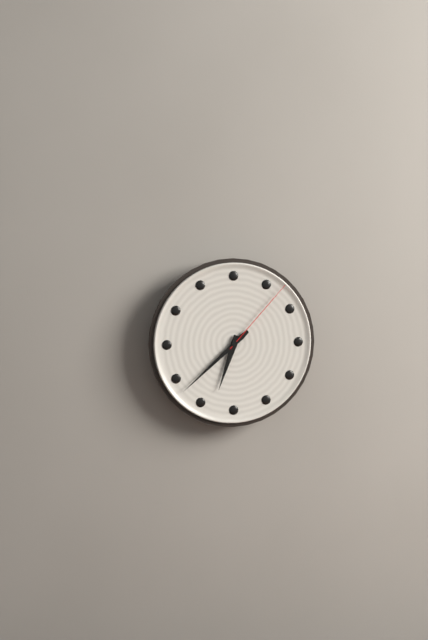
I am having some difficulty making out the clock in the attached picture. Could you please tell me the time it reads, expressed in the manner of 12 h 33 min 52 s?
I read 6 h 38 min 07 s
